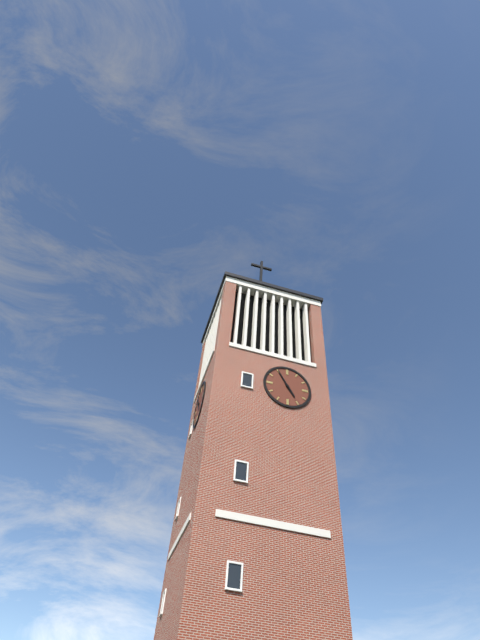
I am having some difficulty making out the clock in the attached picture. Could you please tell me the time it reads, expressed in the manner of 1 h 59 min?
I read 4 h 55 min
